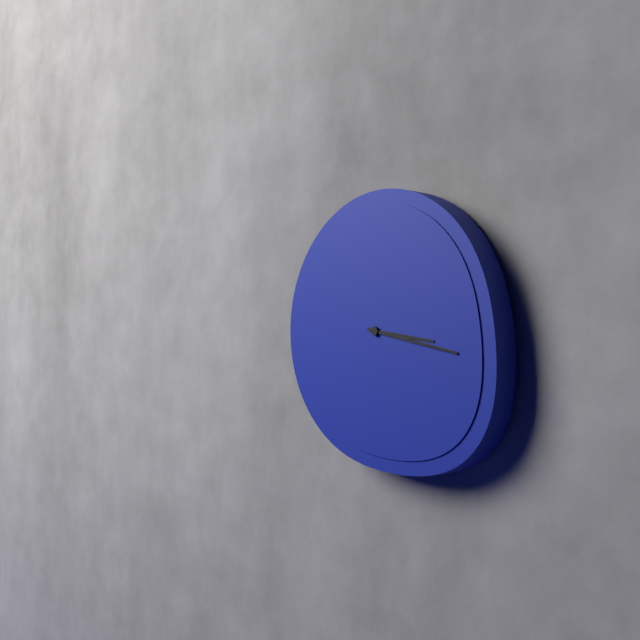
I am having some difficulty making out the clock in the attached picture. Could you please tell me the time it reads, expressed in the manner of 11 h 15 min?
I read 3 h 17 min
